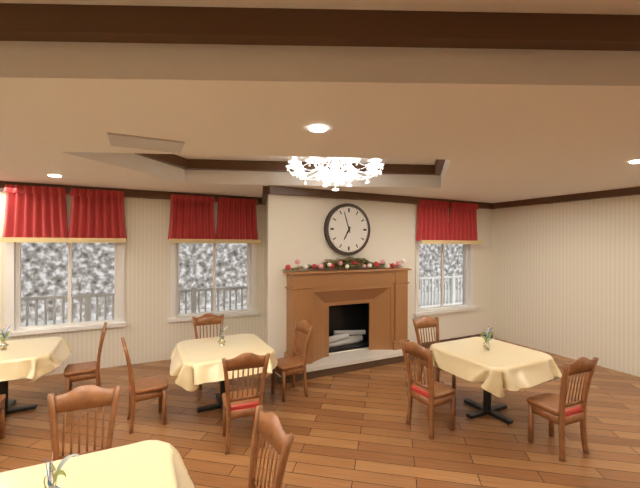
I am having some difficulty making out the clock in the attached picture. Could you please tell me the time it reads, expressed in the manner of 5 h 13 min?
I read 6 h 57 min
